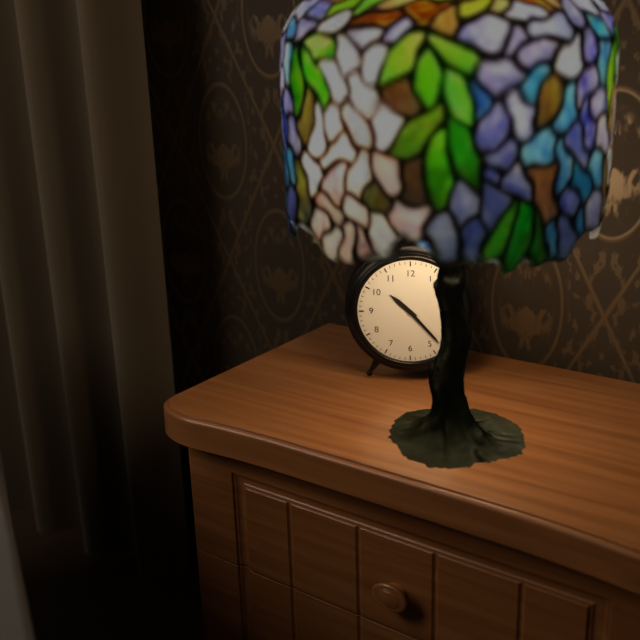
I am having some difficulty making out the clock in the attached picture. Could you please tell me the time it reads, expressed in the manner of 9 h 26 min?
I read 10 h 23 min
